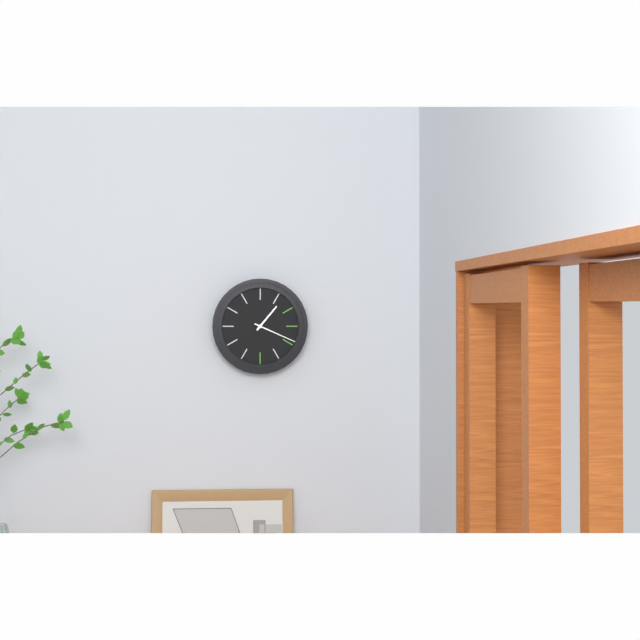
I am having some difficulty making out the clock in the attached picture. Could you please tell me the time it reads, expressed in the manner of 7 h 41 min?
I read 1 h 19 min
